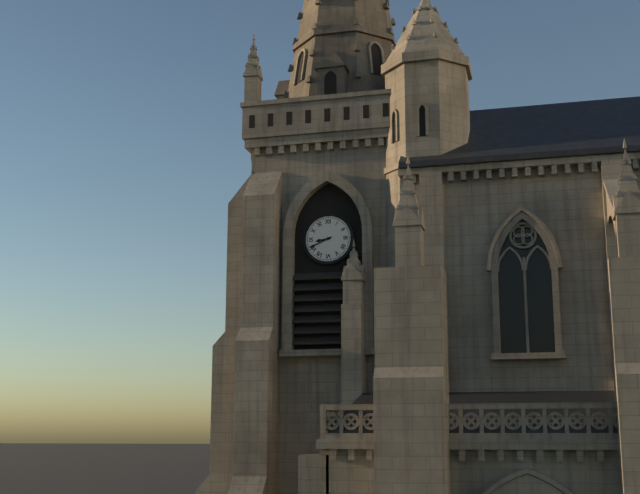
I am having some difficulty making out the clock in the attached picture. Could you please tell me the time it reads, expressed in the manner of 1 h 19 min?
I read 8 h 41 min
